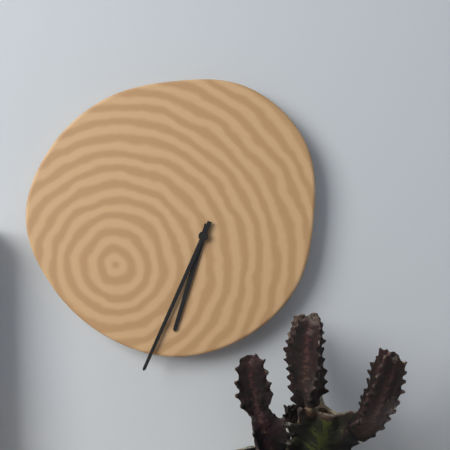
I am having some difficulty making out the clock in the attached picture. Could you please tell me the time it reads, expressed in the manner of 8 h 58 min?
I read 6 h 34 min
